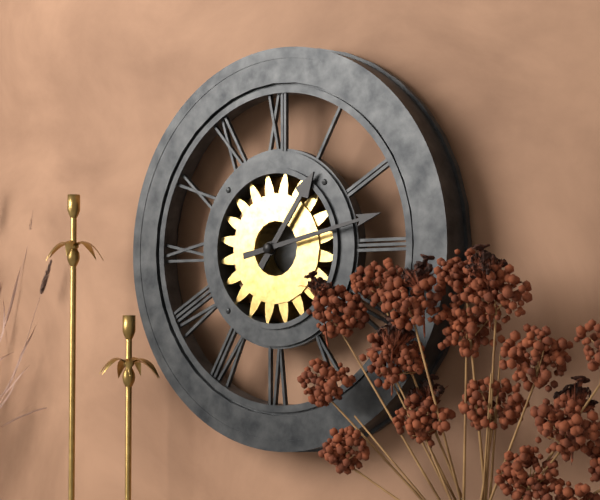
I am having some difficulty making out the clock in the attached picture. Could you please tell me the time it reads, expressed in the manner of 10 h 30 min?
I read 1 h 13 min
